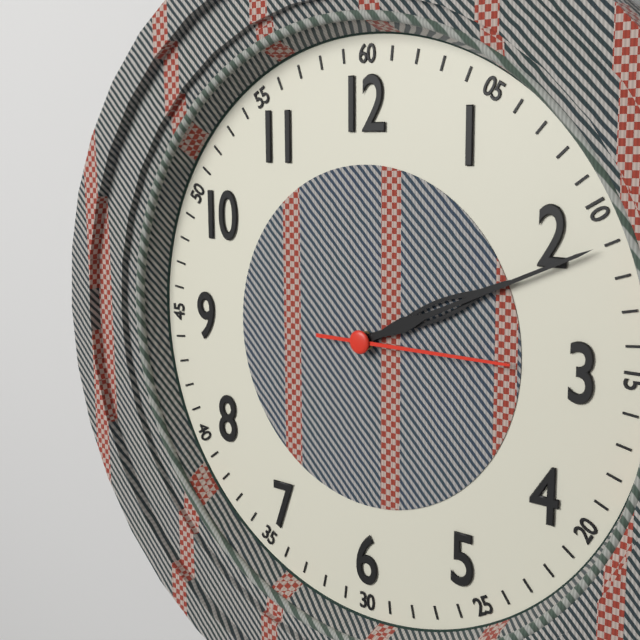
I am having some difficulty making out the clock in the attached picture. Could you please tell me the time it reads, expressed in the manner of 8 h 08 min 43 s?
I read 2 h 11 min 15 s
